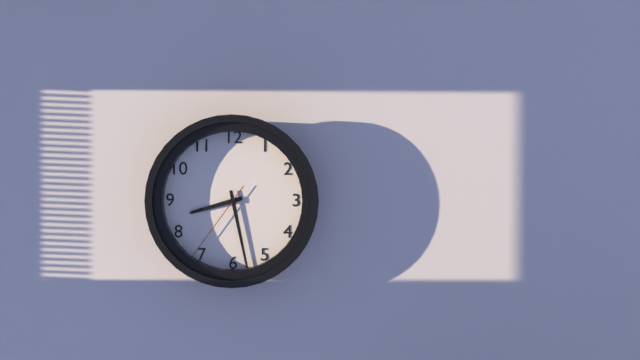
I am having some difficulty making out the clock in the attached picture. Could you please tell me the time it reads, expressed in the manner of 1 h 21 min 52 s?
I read 8 h 28 min 36 s
